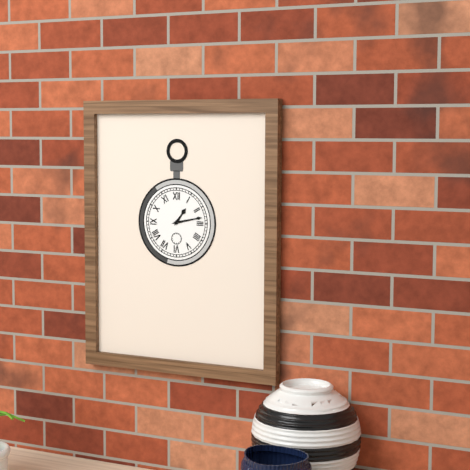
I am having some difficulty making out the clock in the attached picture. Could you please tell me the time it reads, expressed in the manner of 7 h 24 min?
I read 1 h 13 min
